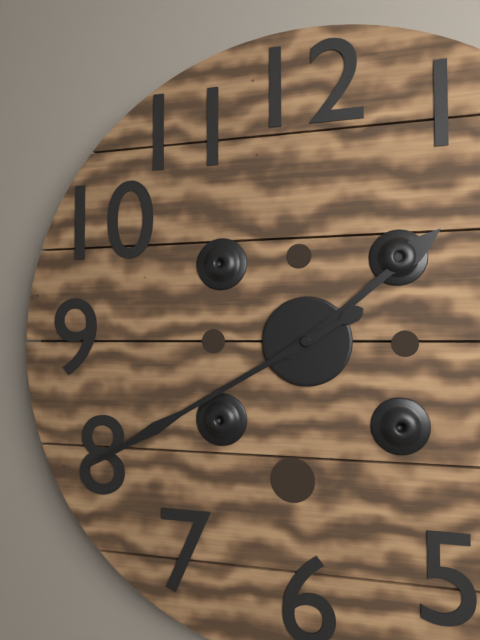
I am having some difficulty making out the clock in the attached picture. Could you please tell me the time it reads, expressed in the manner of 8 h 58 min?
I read 1 h 40 min
